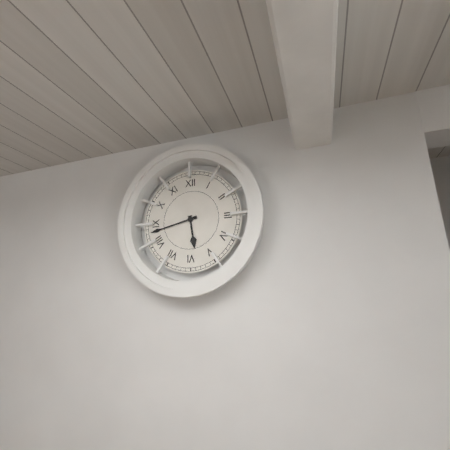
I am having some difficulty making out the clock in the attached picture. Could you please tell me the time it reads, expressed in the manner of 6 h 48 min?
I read 5 h 43 min
